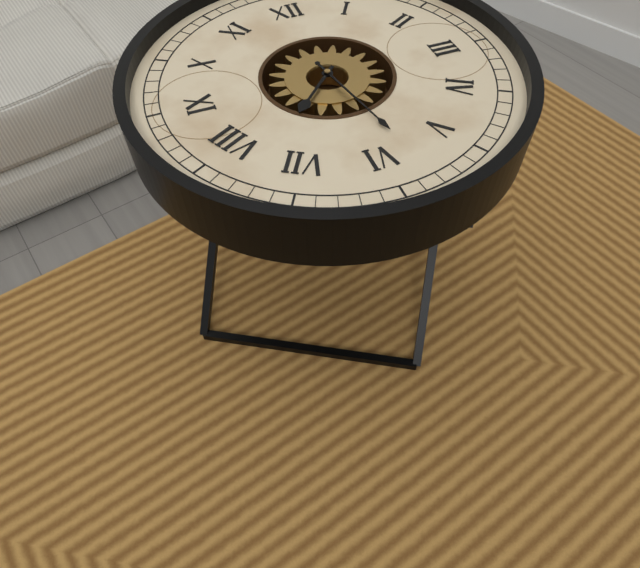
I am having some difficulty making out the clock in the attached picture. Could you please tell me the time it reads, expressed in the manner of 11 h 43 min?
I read 7 h 28 min
